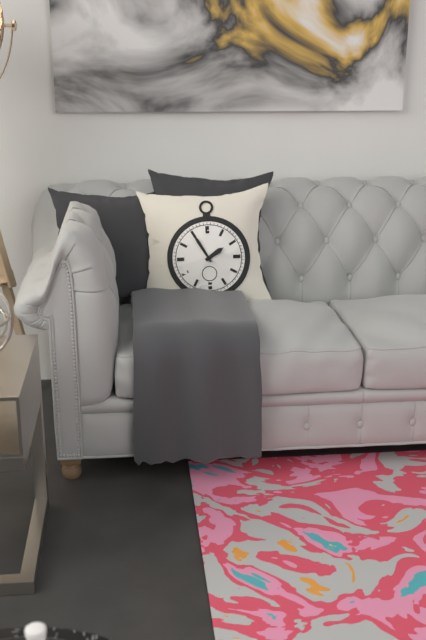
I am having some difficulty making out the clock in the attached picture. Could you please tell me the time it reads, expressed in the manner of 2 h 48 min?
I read 1 h 55 min
